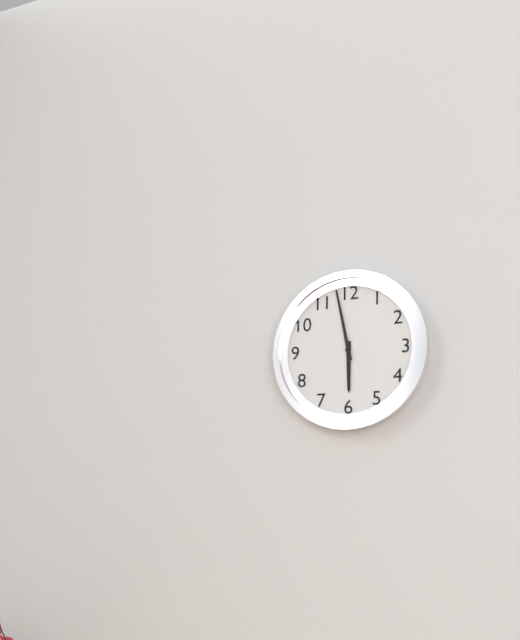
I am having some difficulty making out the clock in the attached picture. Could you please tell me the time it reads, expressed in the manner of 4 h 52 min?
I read 5 h 58 min
